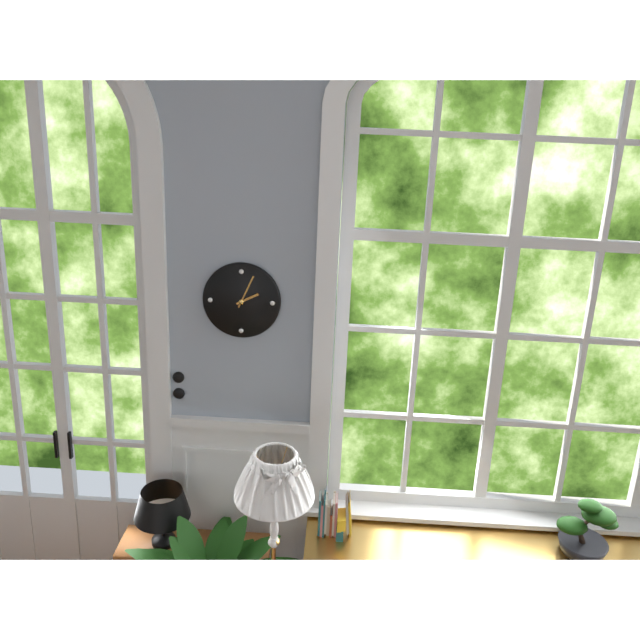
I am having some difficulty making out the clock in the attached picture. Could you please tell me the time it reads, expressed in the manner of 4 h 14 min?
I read 2 h 04 min
